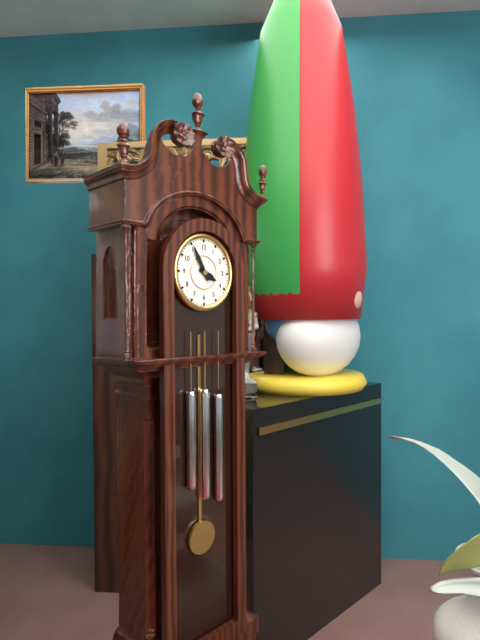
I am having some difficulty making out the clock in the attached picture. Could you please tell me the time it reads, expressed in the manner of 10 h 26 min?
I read 3 h 55 min
